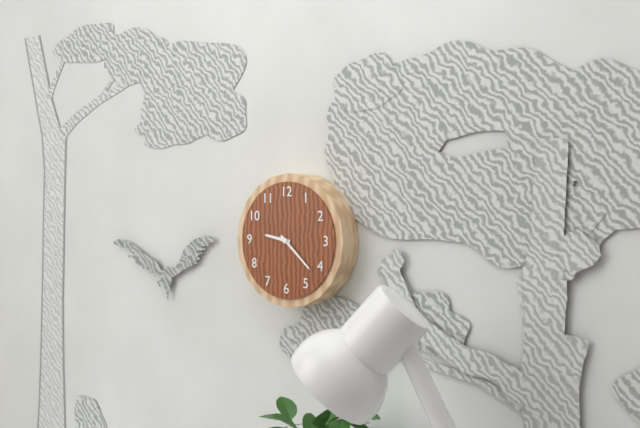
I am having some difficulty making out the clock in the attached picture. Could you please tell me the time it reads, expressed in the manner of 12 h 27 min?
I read 9 h 22 min
